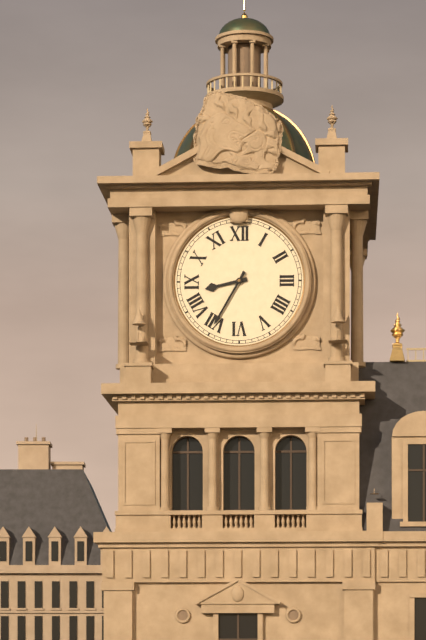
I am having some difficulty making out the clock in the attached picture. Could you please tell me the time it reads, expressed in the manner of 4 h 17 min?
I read 8 h 35 min
